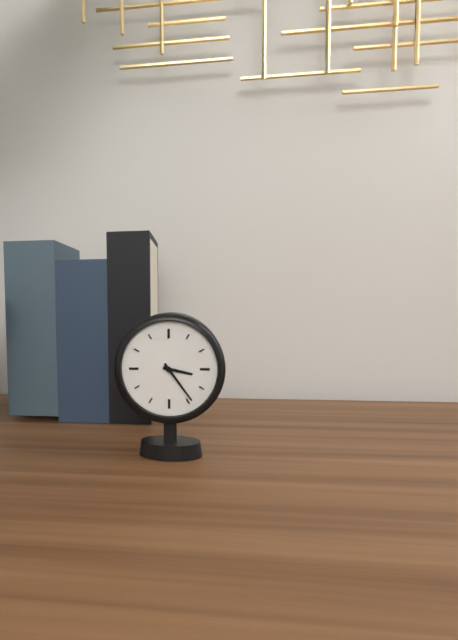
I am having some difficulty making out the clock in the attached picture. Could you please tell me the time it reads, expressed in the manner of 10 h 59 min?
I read 3 h 24 min
